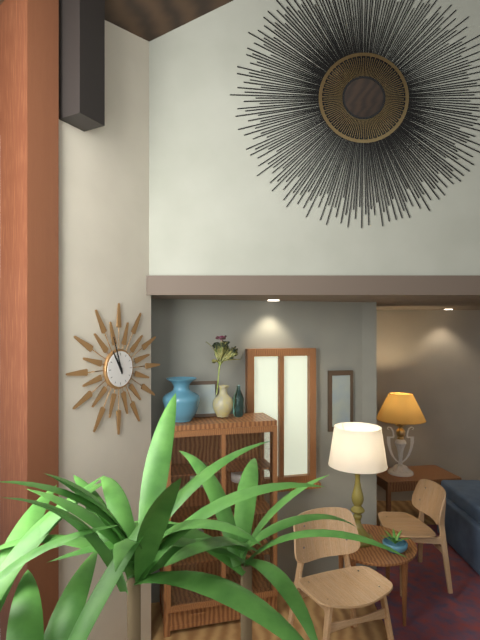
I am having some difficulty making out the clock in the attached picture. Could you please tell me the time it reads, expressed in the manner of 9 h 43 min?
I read 10 h 57 min
